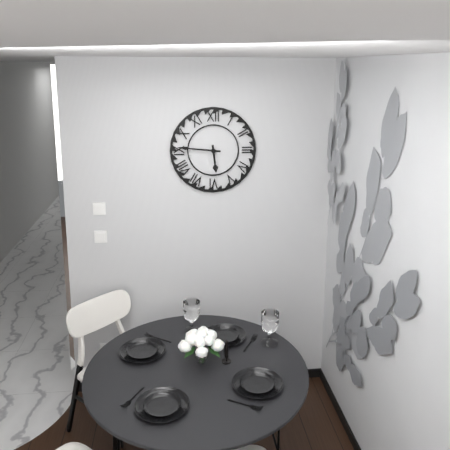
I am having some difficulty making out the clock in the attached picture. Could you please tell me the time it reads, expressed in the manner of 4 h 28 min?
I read 5 h 46 min
